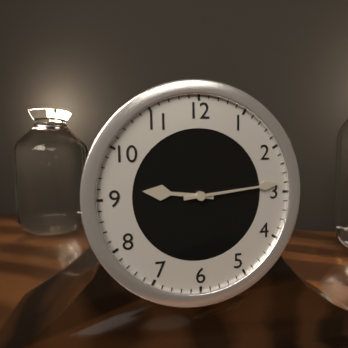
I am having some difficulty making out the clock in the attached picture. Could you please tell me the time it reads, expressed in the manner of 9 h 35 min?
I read 9 h 14 min
